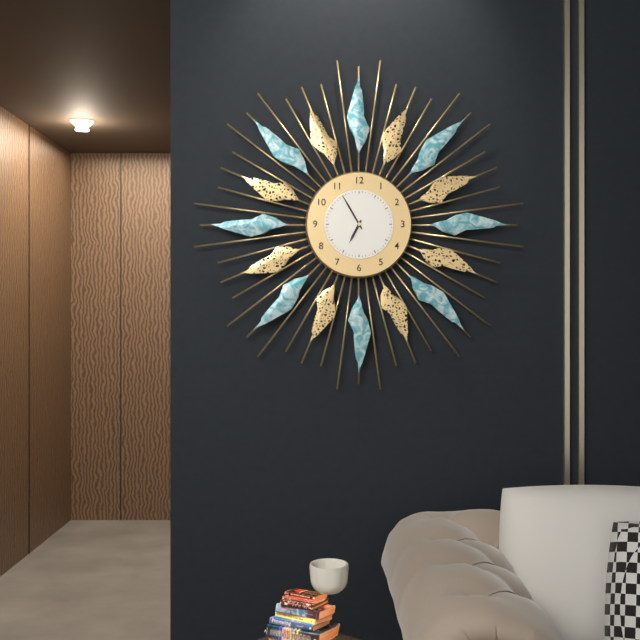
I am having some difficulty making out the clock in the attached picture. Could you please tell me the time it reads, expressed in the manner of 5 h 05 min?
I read 6 h 55 min
